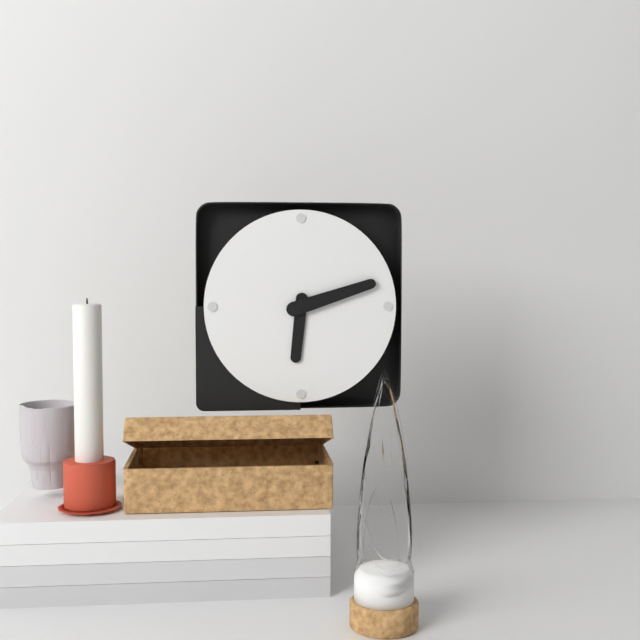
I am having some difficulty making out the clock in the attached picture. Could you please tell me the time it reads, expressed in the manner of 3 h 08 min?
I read 6 h 12 min
